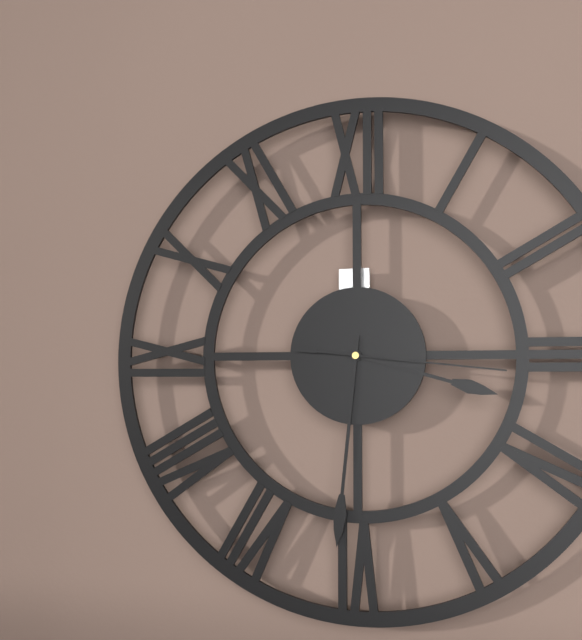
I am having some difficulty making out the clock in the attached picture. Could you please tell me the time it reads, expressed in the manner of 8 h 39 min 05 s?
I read 3 h 31 min 16 s
